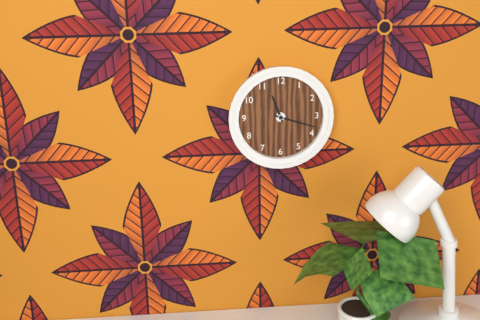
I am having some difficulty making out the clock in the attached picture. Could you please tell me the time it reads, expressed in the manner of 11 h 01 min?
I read 11 h 18 min
